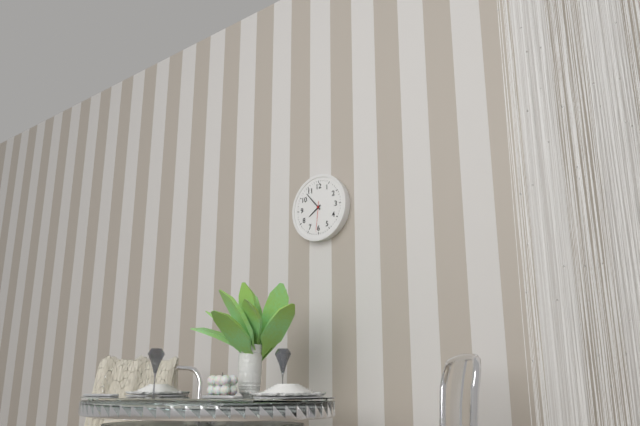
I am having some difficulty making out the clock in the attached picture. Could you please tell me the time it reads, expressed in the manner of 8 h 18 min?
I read 7 h 53 min
